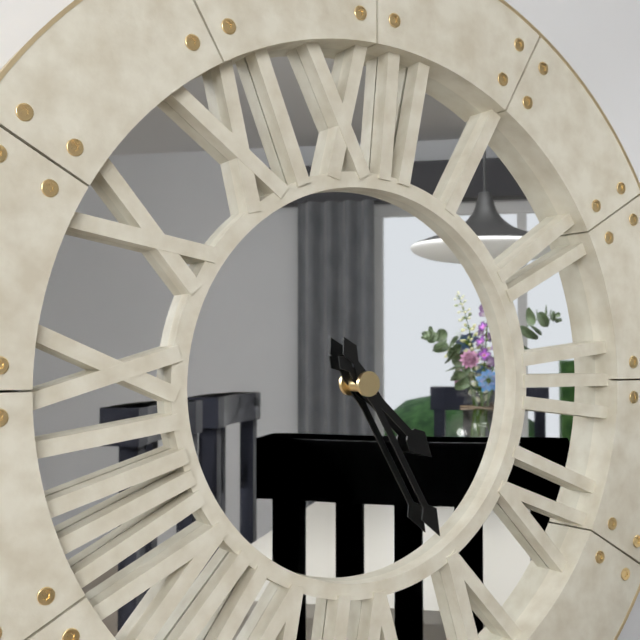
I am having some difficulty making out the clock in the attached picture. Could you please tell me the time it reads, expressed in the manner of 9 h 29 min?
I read 4 h 25 min
